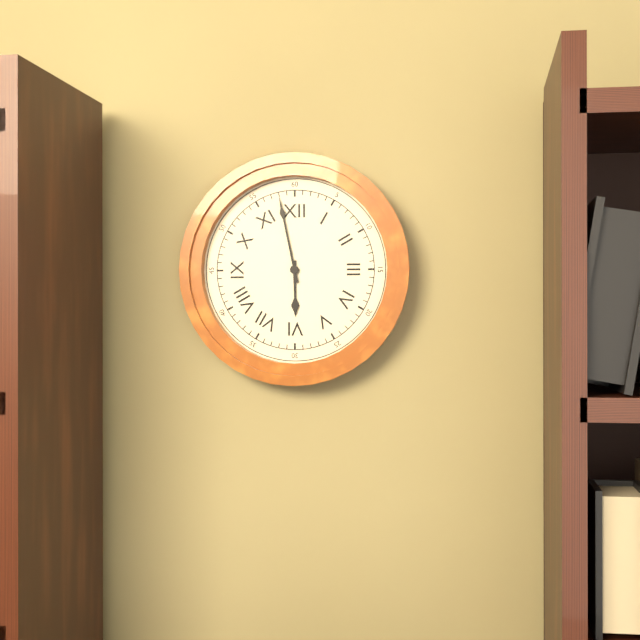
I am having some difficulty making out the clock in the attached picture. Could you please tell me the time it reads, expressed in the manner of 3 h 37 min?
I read 5 h 58 min
